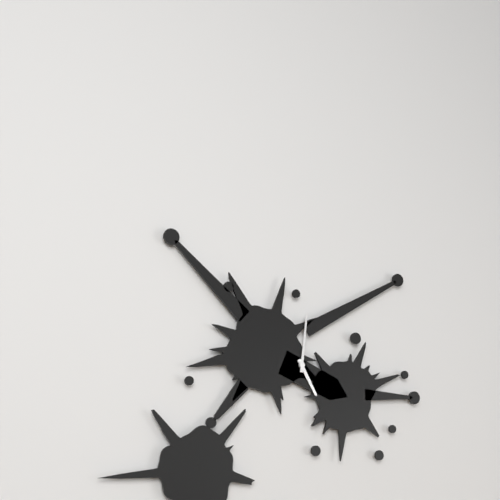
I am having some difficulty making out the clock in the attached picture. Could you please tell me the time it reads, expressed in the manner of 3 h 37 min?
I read 5 h 01 min
